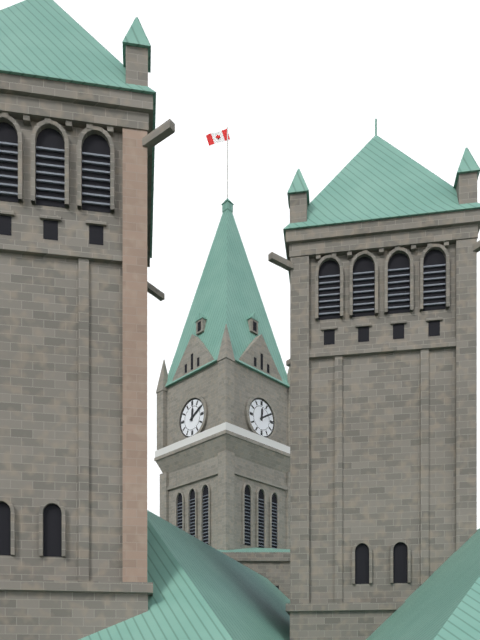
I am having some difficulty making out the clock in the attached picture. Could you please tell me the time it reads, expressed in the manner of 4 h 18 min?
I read 12 h 10 min
